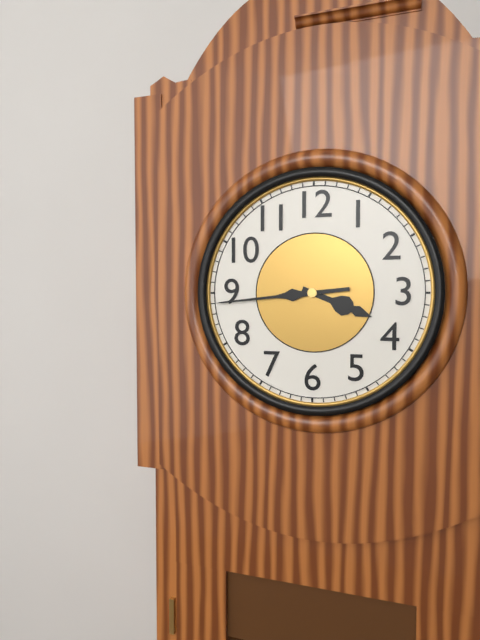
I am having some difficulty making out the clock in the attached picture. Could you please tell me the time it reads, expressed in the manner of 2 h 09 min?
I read 3 h 44 min
